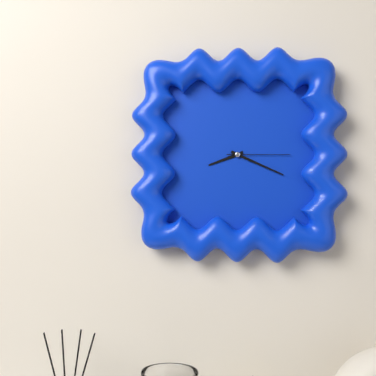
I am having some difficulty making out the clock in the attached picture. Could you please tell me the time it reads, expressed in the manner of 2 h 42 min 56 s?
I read 8 h 19 min 15 s
